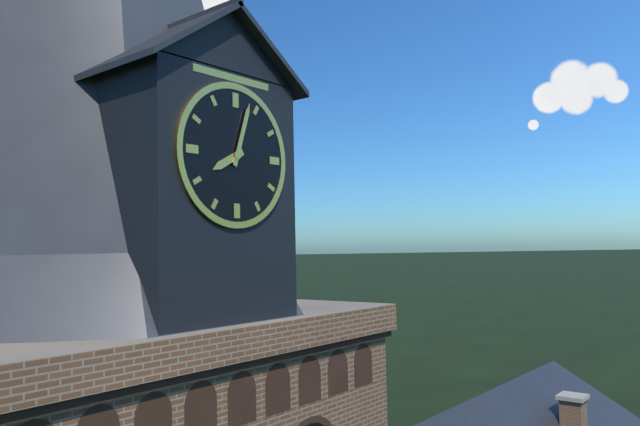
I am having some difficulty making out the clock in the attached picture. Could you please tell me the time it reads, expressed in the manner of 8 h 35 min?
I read 8 h 03 min
